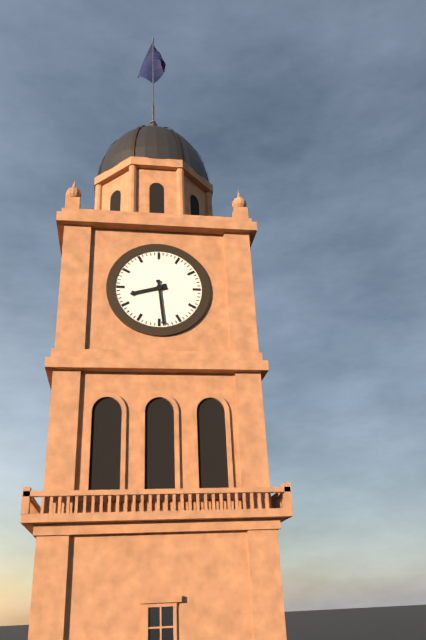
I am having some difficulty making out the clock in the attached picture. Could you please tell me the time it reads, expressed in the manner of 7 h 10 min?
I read 8 h 29 min
